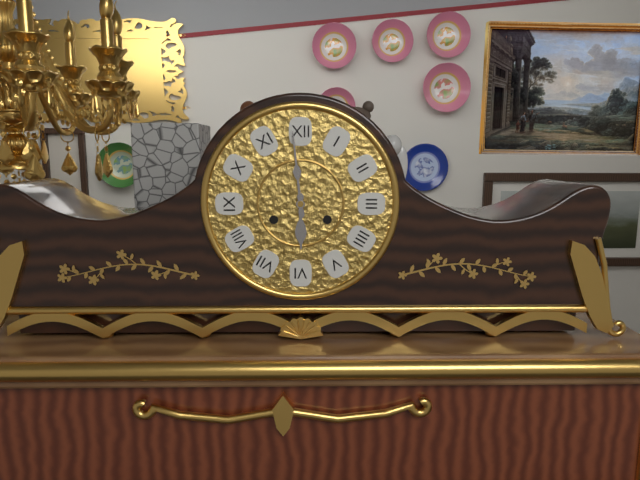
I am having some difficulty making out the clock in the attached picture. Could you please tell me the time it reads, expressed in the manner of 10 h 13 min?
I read 5 h 59 min
